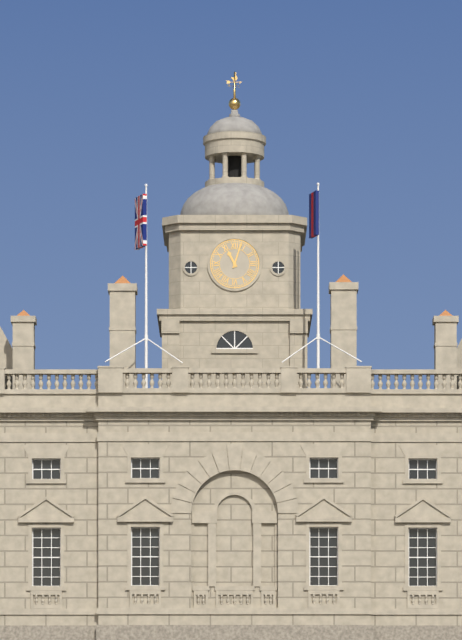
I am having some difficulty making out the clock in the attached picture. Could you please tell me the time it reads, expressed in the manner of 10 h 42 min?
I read 11 h 03 min
